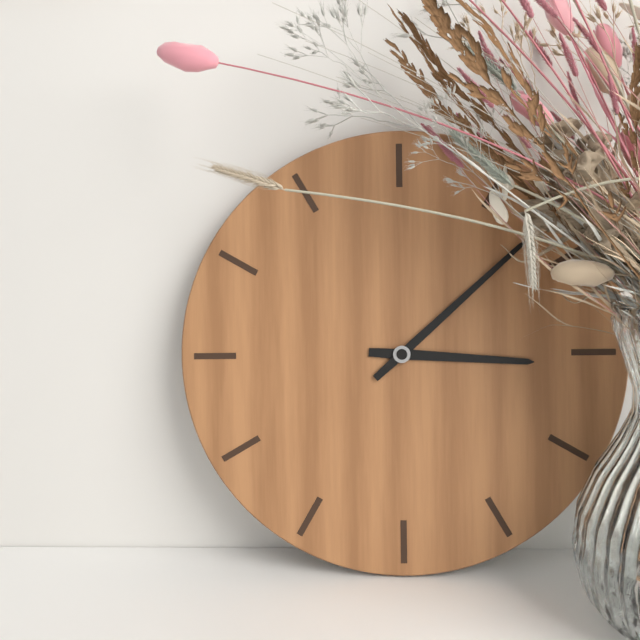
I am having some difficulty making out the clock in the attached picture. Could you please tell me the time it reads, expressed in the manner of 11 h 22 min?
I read 3 h 08 min
